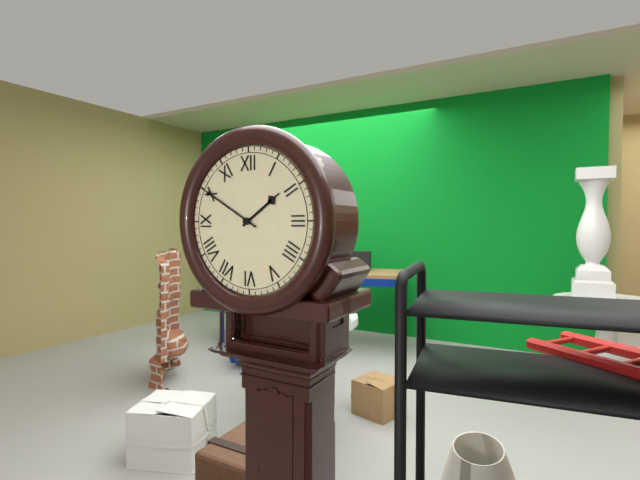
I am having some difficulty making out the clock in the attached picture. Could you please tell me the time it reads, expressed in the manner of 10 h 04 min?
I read 1 h 50 min
